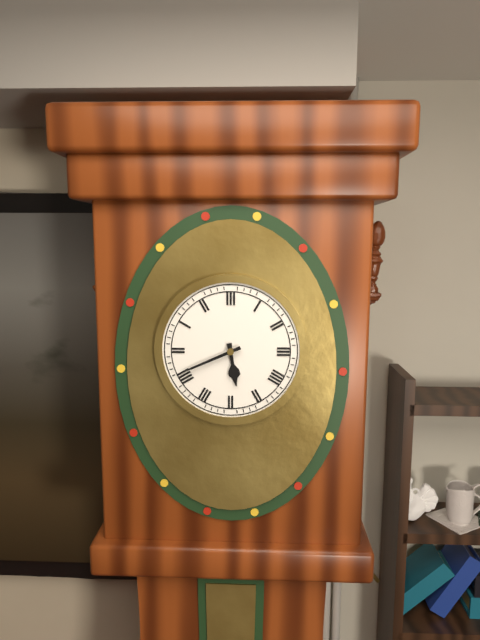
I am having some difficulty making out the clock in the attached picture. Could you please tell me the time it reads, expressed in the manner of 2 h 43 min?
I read 5 h 41 min
